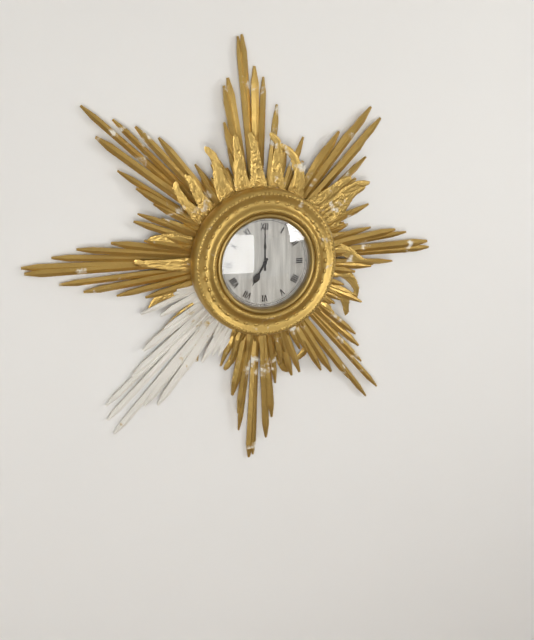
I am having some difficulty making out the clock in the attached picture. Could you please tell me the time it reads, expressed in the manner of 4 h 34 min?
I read 7 h 00 min
